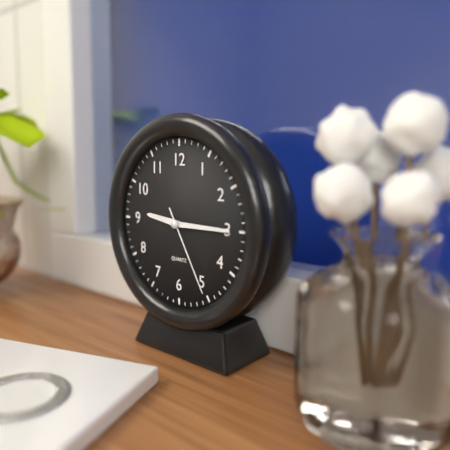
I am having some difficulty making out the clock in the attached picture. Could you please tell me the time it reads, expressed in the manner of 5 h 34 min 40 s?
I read 9 h 15 min 25 s
